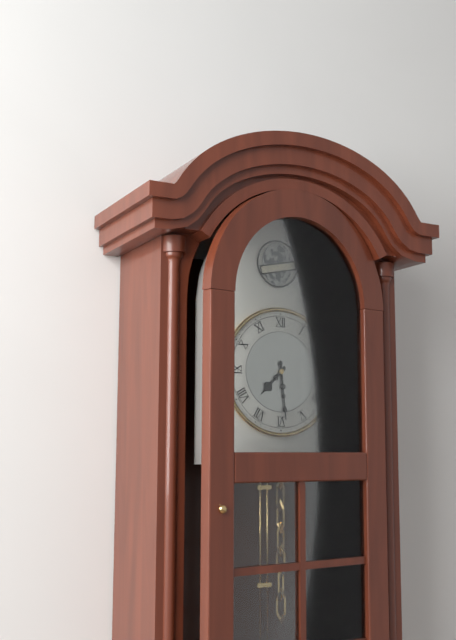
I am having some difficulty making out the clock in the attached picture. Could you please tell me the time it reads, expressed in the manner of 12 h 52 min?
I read 7 h 29 min
